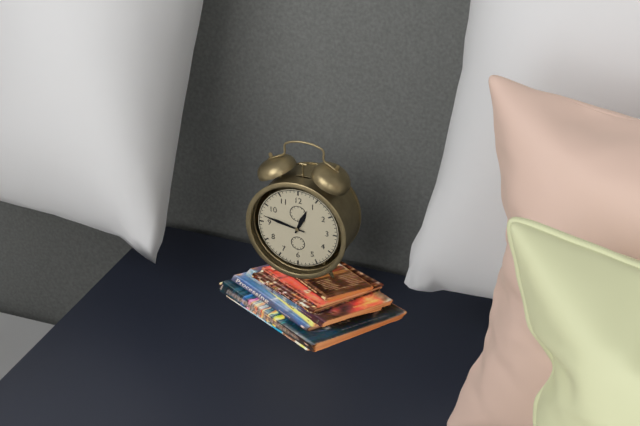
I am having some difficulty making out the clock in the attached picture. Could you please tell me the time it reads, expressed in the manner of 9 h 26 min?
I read 12 h 47 min
